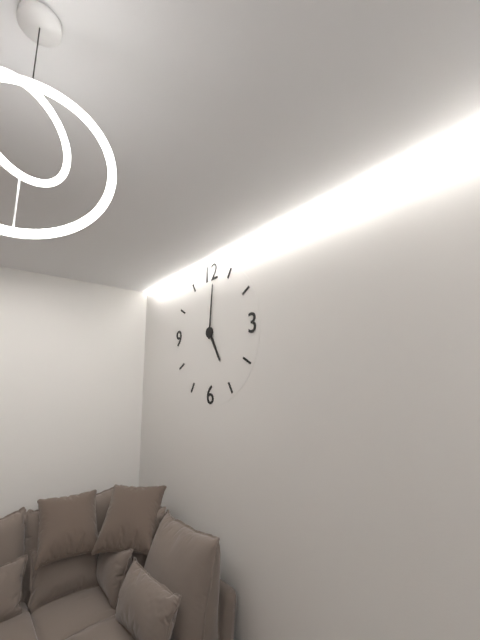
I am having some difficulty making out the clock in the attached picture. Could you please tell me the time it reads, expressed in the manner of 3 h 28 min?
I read 5 h 01 min
